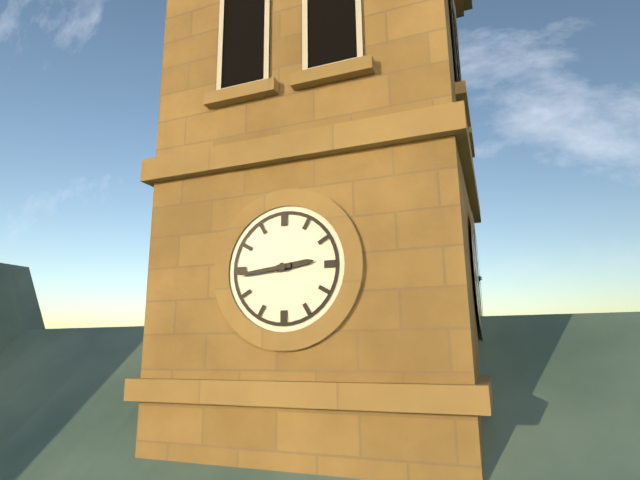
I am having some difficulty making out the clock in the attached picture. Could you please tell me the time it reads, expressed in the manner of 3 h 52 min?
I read 2 h 44 min
